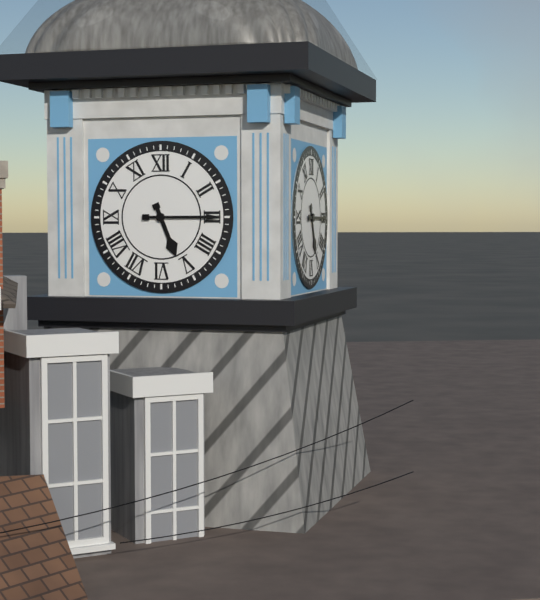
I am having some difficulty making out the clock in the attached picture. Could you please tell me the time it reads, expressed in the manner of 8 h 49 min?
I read 5 h 15 min
